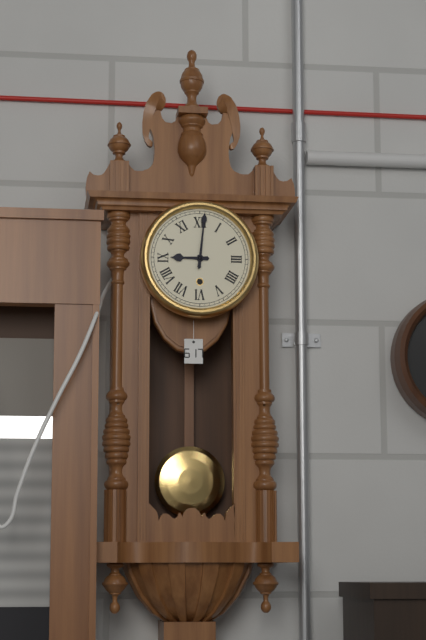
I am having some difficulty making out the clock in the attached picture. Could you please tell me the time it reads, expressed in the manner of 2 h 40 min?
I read 9 h 01 min
